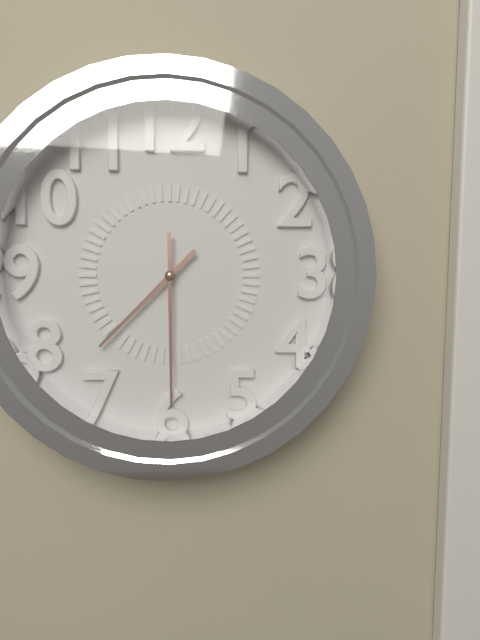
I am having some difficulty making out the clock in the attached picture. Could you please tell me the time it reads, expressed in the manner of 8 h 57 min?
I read 7 h 30 min
